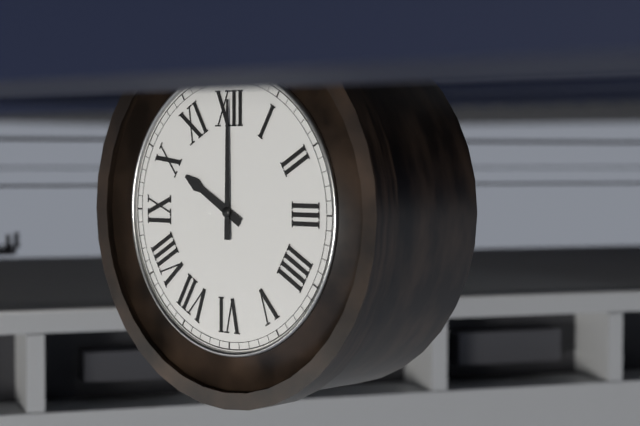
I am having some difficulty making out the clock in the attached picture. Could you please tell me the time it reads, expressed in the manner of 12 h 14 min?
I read 10 h 00 min
